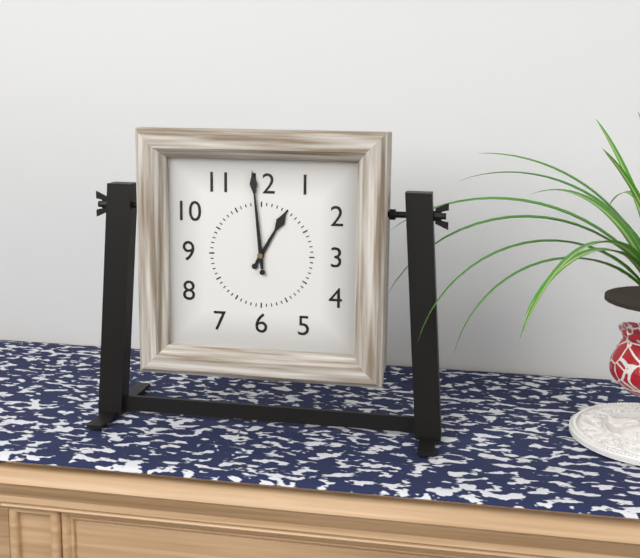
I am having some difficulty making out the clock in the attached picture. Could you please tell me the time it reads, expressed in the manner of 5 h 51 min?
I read 12 h 59 min
